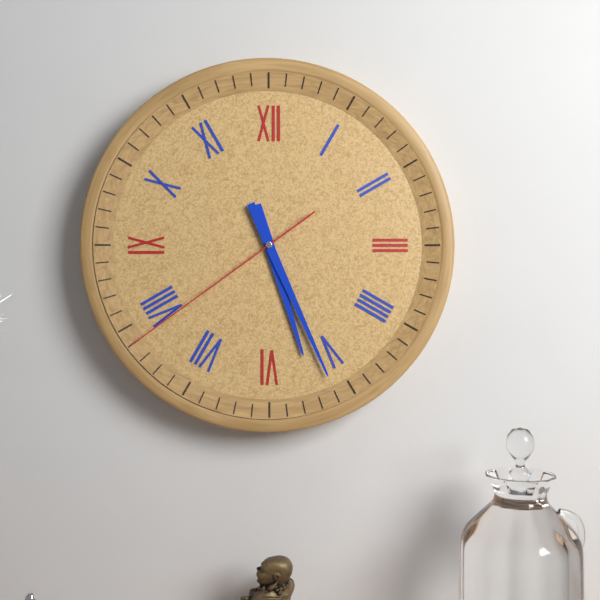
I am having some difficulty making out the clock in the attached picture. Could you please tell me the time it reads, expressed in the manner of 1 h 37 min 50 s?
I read 5 h 26 min 39 s
